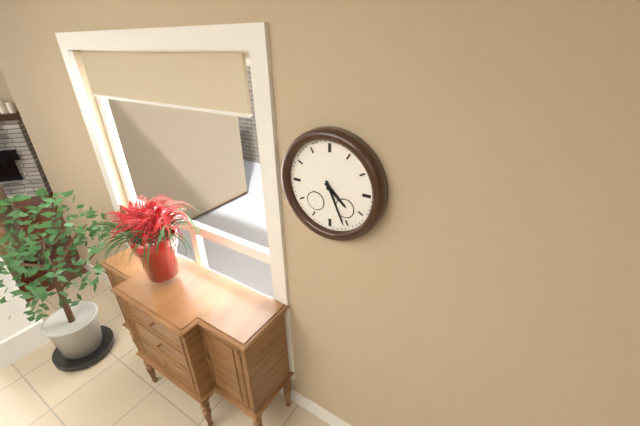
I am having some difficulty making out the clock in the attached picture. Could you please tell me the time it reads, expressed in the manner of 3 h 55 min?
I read 4 h 26 min
